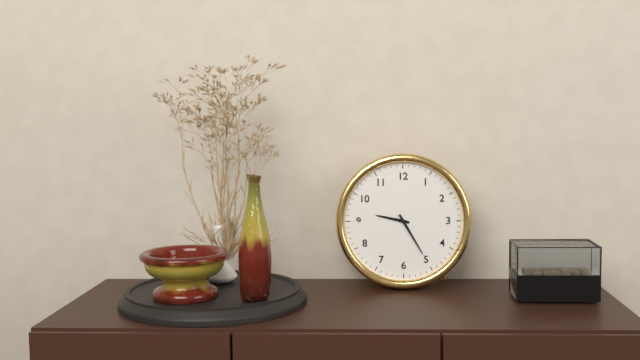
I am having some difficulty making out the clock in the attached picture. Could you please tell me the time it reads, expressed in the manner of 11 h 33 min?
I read 9 h 25 min
